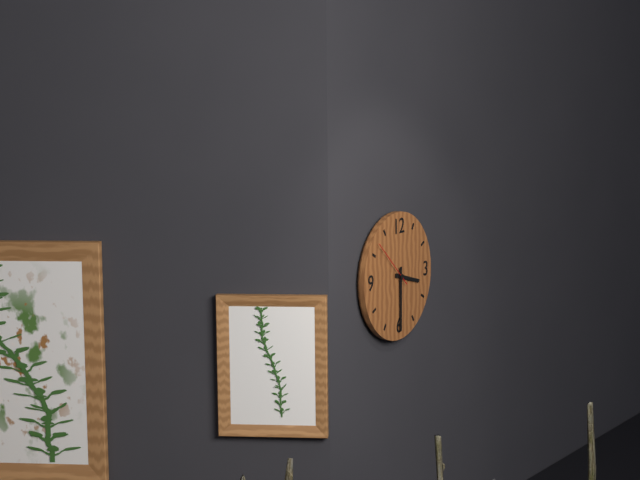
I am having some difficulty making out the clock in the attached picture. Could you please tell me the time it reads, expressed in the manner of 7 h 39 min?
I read 3 h 30 min
